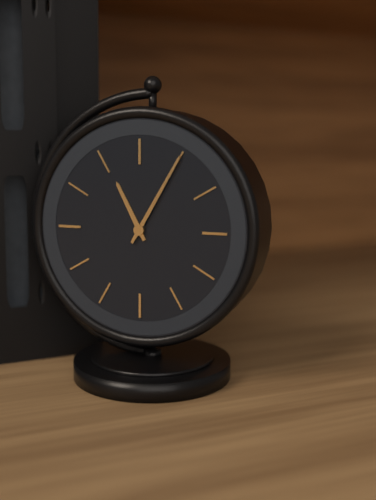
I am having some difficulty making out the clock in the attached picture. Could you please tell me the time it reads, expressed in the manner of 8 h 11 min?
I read 11 h 05 min
